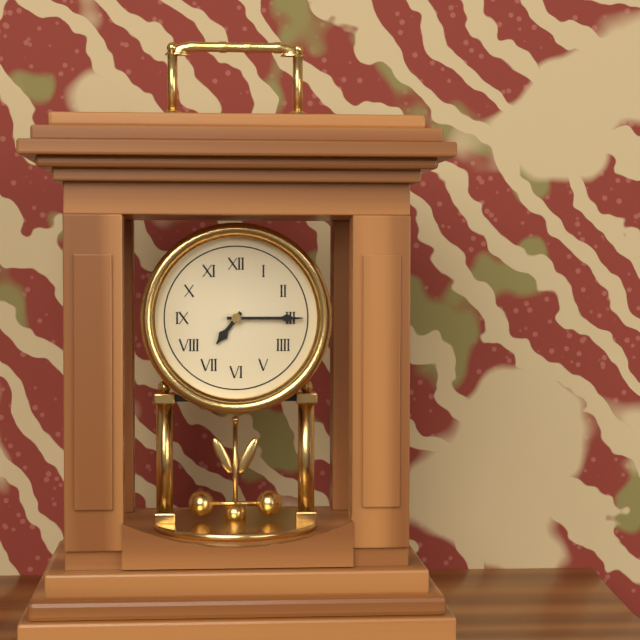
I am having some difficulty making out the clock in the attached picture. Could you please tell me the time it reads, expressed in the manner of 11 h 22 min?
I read 7 h 15 min
